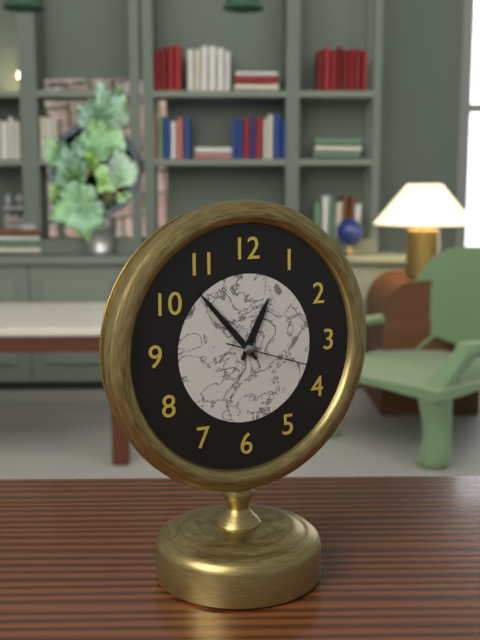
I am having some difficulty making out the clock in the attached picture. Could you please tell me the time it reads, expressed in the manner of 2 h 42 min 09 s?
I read 12 h 53 min 18 s
